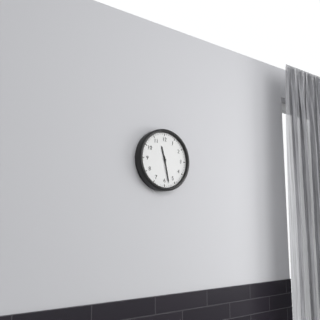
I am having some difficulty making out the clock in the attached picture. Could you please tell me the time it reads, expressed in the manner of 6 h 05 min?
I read 11 h 28 min
